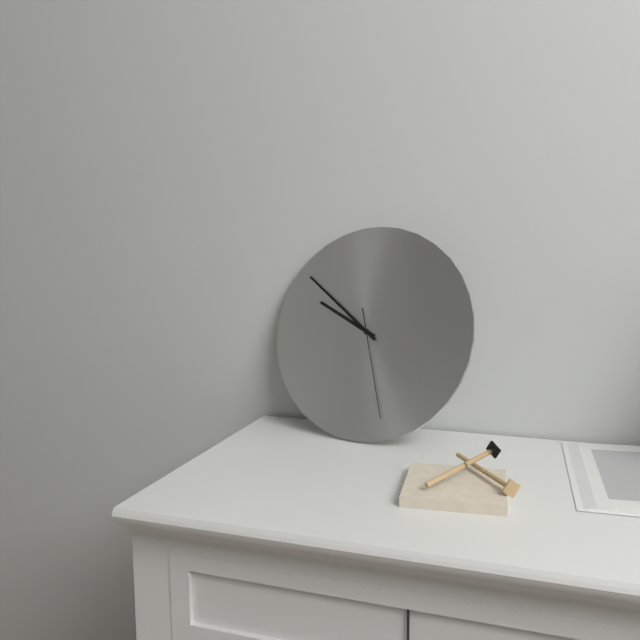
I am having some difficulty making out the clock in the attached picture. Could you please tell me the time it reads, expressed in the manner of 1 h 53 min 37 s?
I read 9 h 51 min 27 s
